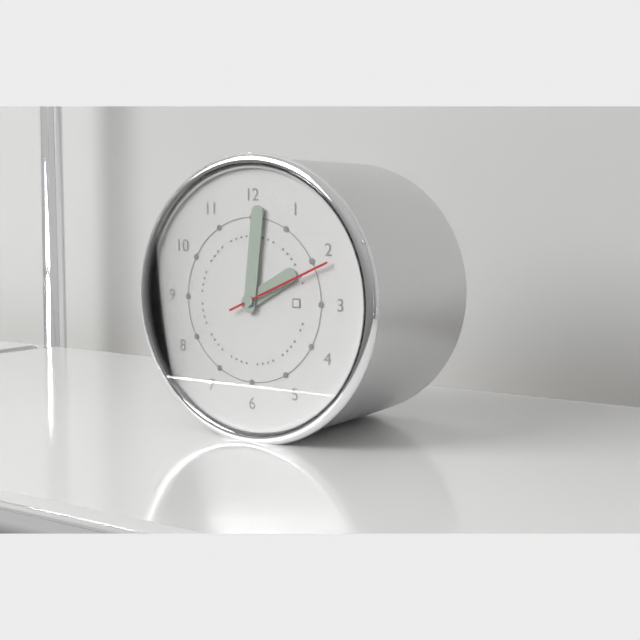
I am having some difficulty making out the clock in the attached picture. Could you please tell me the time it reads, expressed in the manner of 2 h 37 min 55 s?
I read 2 h 01 min 11 s
